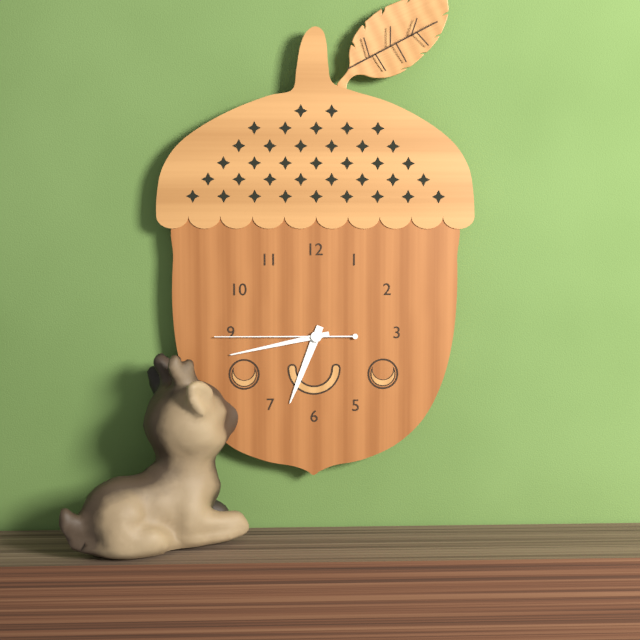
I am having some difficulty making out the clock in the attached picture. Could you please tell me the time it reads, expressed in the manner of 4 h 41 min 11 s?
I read 6 h 43 min 45 s
